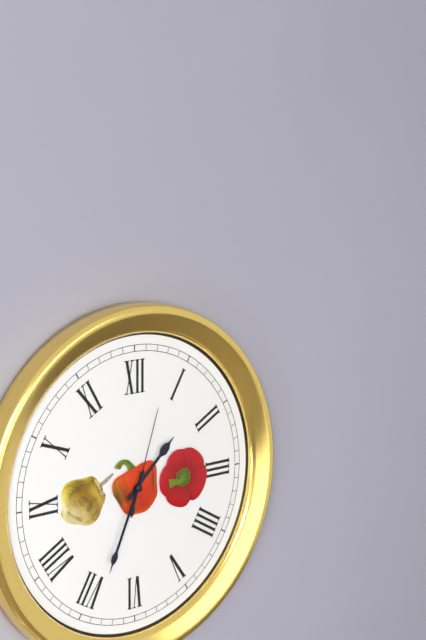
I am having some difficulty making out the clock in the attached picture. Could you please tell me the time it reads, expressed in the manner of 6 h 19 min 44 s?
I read 1 h 34 min 03 s
